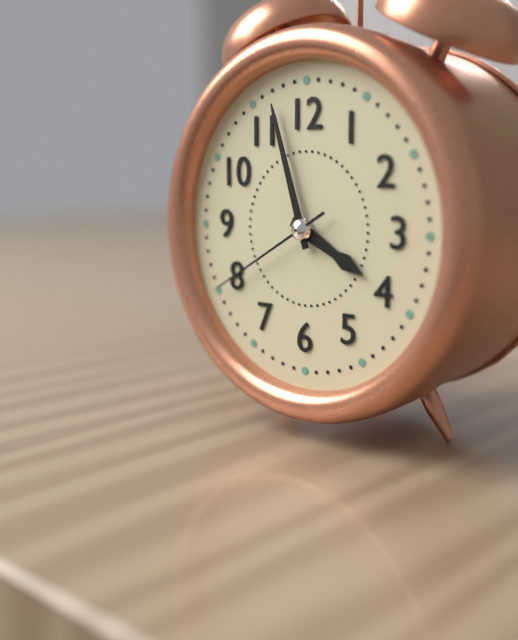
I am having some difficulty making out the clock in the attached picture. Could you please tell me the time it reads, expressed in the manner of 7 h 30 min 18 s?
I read 3 h 57 min 40 s
